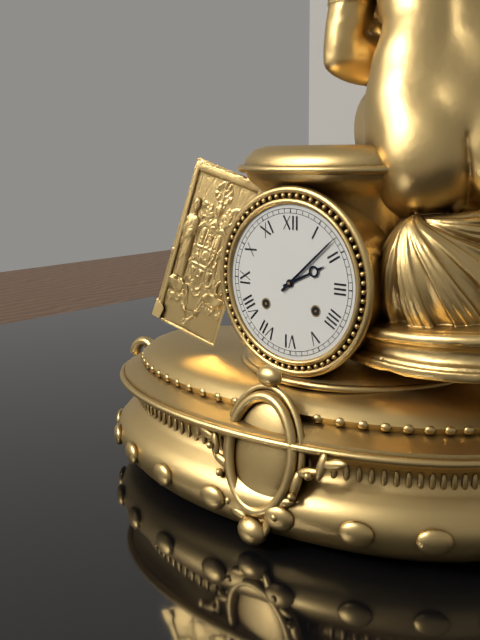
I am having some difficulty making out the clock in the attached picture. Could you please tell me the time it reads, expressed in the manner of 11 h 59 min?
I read 2 h 08 min
